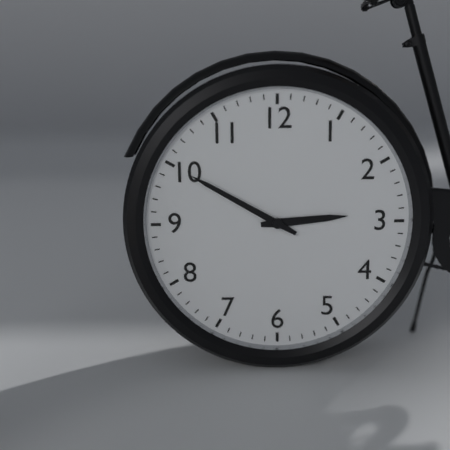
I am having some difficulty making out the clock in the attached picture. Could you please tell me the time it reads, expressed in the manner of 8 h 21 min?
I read 2 h 50 min
